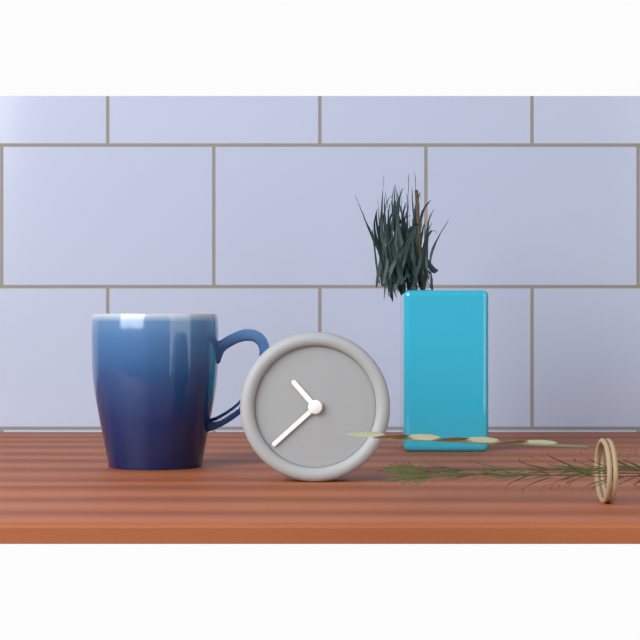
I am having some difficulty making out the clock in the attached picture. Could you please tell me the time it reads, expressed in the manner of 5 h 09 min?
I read 10 h 38 min
